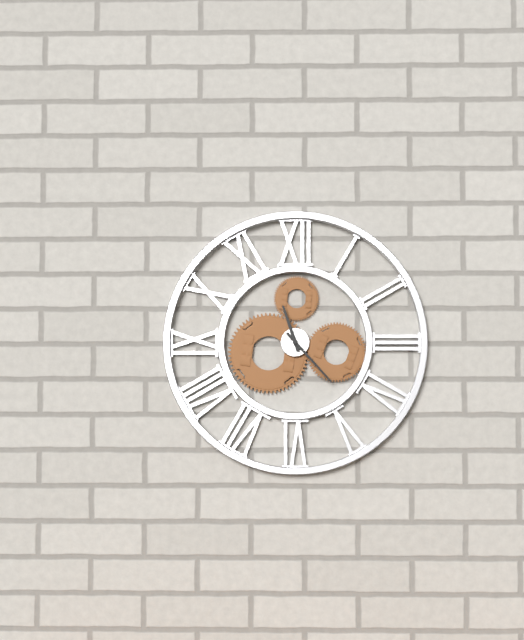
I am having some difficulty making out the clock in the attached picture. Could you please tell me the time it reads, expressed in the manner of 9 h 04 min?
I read 11 h 23 min
